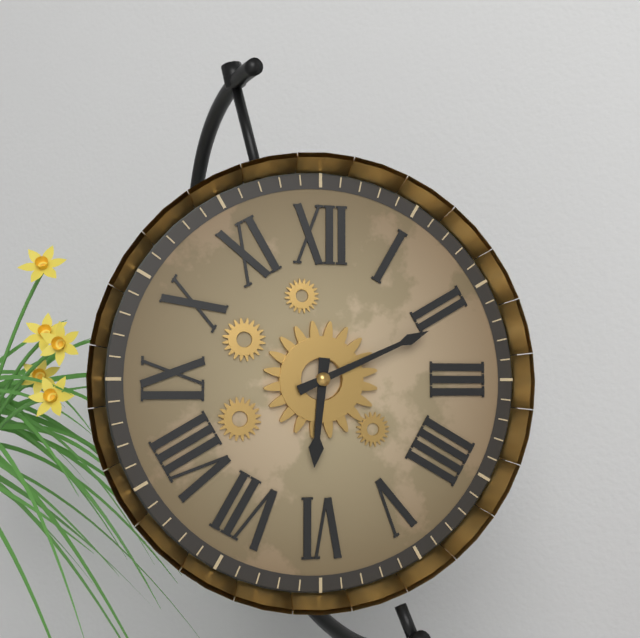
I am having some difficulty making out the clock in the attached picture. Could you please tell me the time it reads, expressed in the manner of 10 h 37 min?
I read 6 h 11 min
